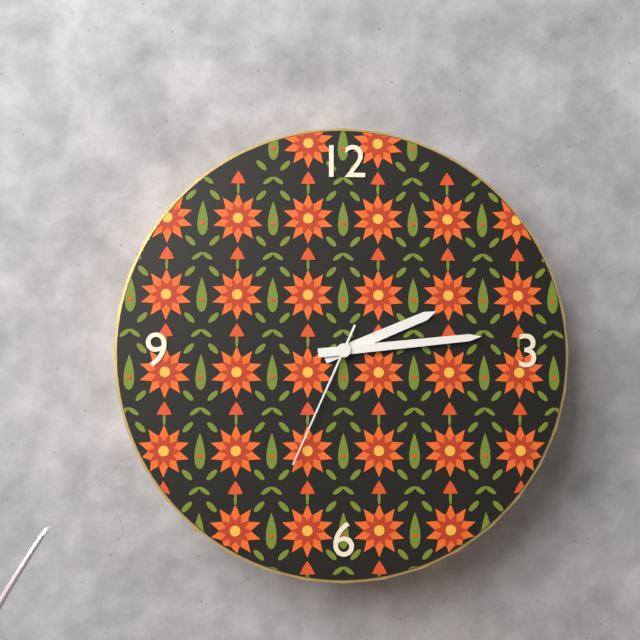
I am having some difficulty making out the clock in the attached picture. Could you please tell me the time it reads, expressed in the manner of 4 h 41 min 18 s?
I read 2 h 14 min 34 s
